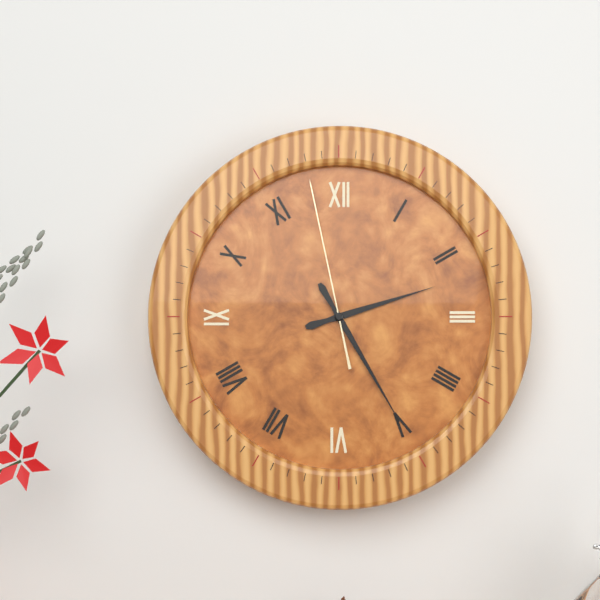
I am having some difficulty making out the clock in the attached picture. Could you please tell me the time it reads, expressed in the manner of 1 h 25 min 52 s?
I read 2 h 25 min 58 s
